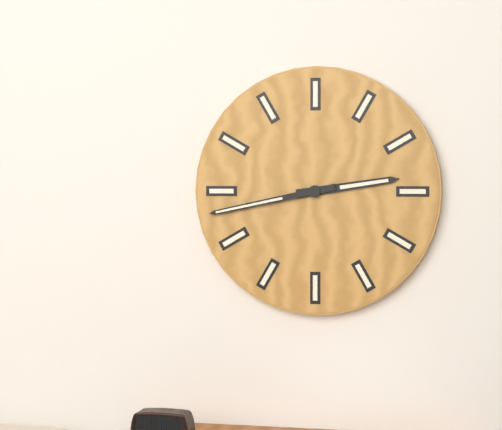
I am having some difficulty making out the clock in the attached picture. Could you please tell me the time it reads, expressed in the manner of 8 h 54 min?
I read 2 h 43 min
